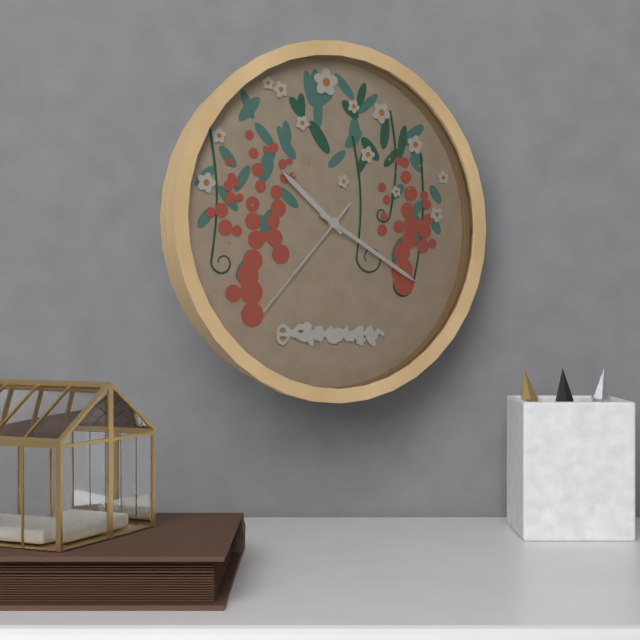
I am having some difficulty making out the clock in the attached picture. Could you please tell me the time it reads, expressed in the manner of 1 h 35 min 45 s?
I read 10 h 20 min 37 s
